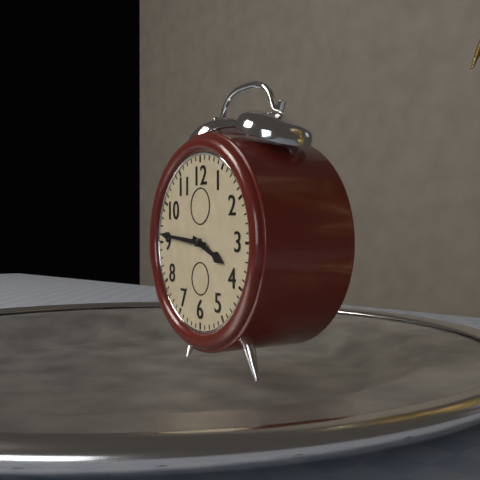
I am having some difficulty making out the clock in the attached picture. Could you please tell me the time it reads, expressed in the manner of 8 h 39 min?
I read 3 h 46 min
